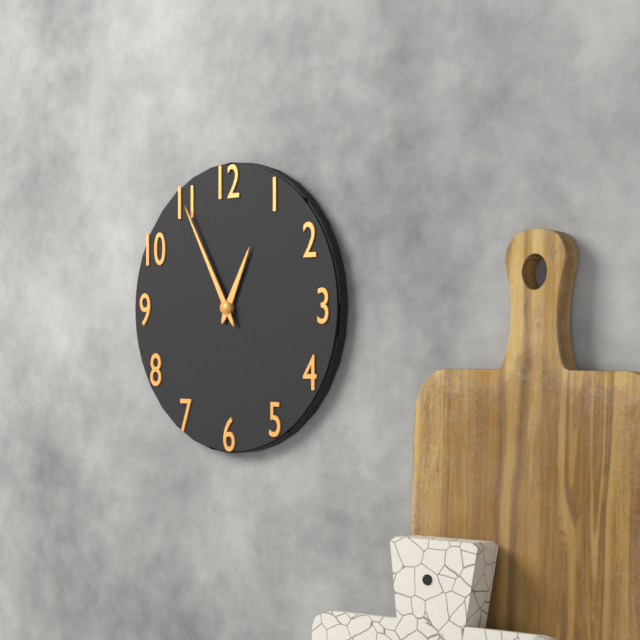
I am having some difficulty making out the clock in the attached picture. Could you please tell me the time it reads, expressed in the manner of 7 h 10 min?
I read 12 h 55 min
